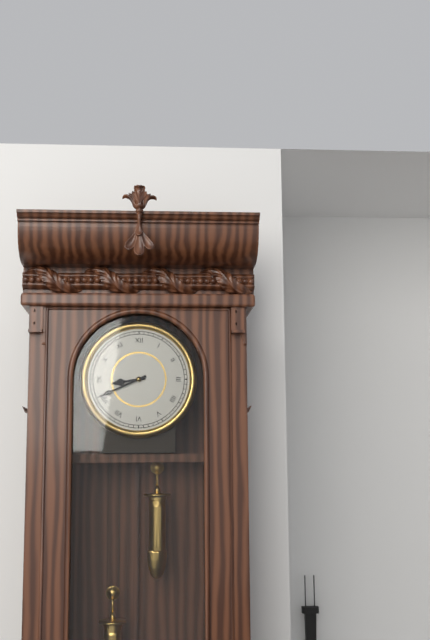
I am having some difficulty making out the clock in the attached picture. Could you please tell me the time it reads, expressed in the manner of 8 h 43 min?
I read 8 h 41 min
